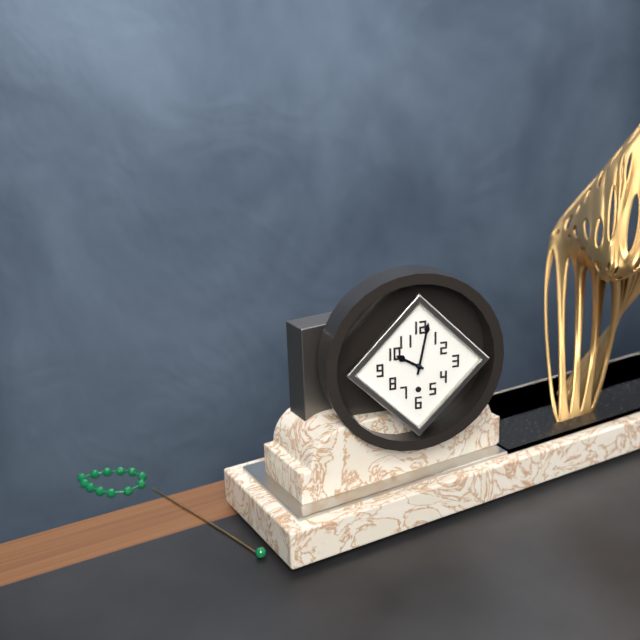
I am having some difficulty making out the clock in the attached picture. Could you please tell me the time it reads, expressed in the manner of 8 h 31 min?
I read 10 h 02 min
